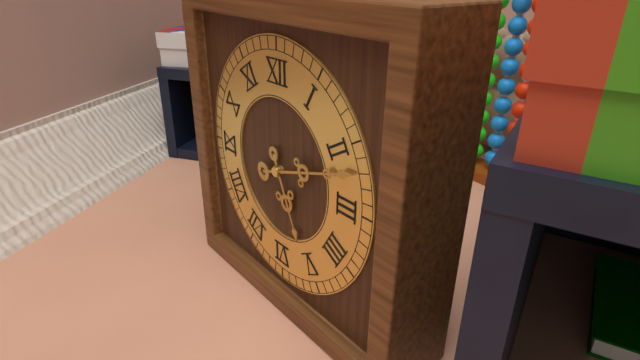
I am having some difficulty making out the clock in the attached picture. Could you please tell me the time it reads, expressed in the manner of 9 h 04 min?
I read 5 h 12 min
